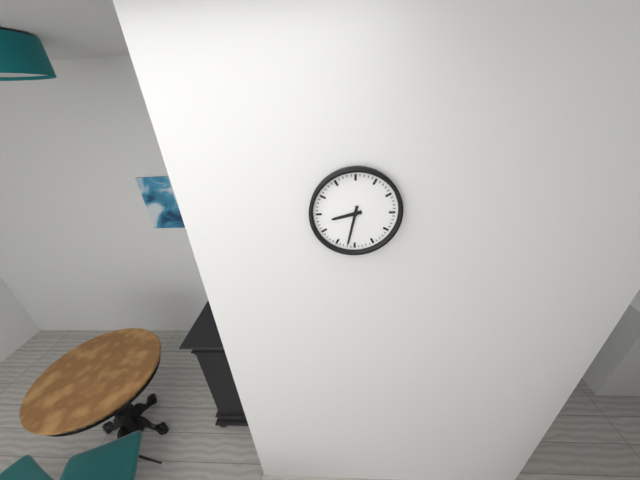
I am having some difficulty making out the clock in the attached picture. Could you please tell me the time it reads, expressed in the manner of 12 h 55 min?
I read 8 h 32 min
